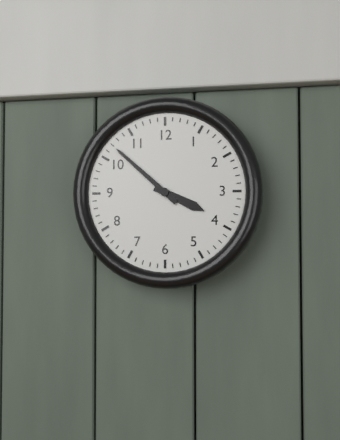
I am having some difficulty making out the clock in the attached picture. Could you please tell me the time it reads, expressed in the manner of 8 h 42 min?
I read 3 h 52 min
